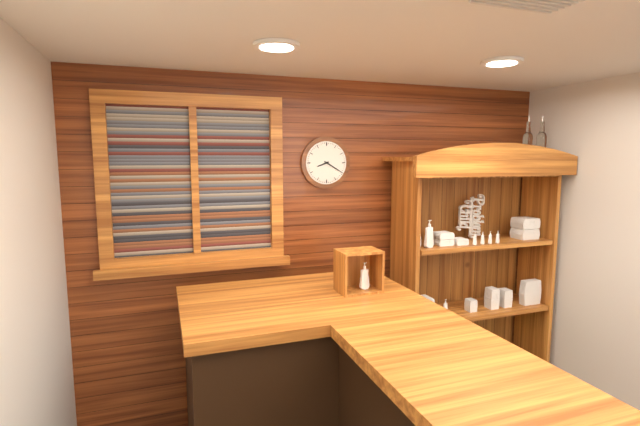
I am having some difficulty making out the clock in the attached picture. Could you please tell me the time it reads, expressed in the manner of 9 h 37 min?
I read 8 h 20 min
